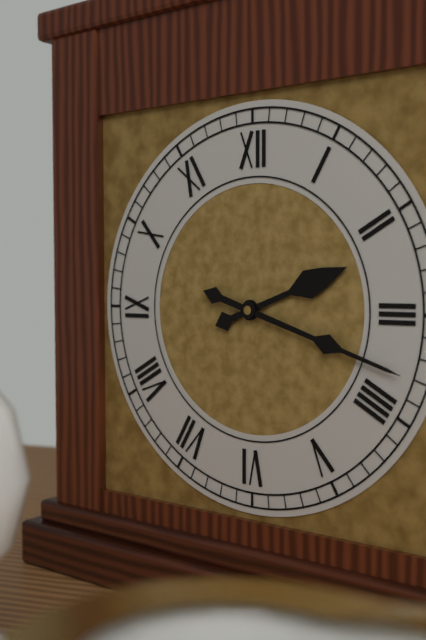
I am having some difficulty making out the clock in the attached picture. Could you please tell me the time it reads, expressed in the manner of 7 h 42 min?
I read 2 h 18 min
